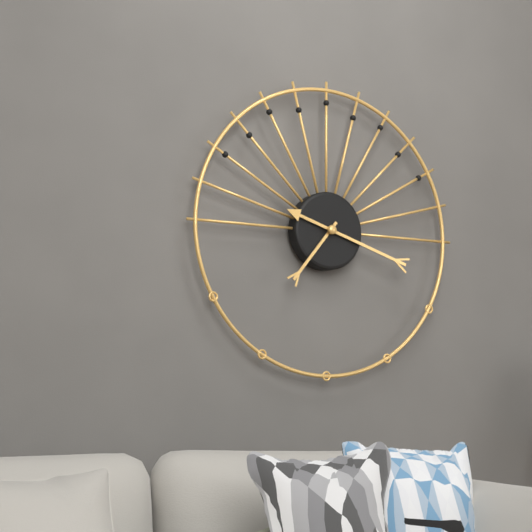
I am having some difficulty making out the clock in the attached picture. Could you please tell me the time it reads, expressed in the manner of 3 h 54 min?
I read 7 h 18 min
